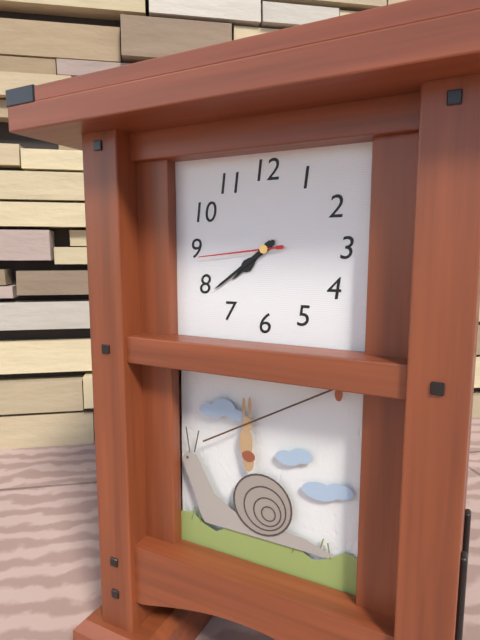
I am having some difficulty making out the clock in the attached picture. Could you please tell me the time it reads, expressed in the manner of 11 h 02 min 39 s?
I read 7 h 39 min 44 s
